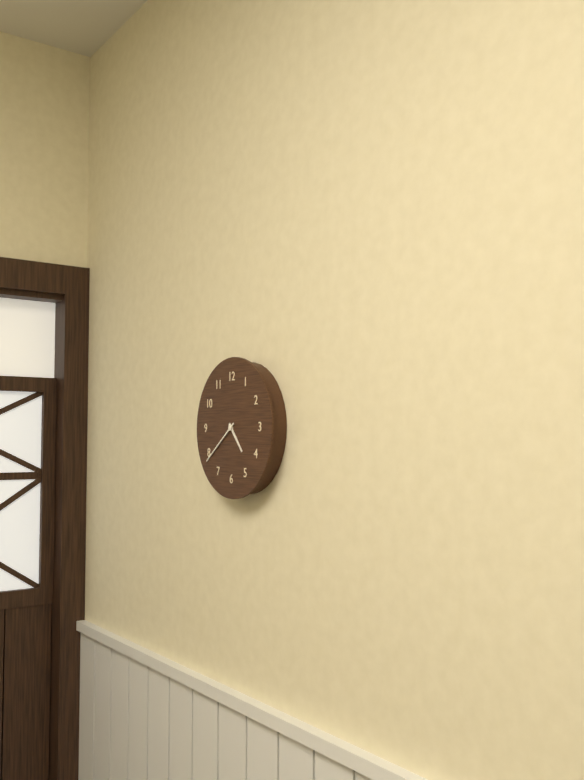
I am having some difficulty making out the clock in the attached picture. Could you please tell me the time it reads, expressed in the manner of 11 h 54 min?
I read 4 h 39 min
